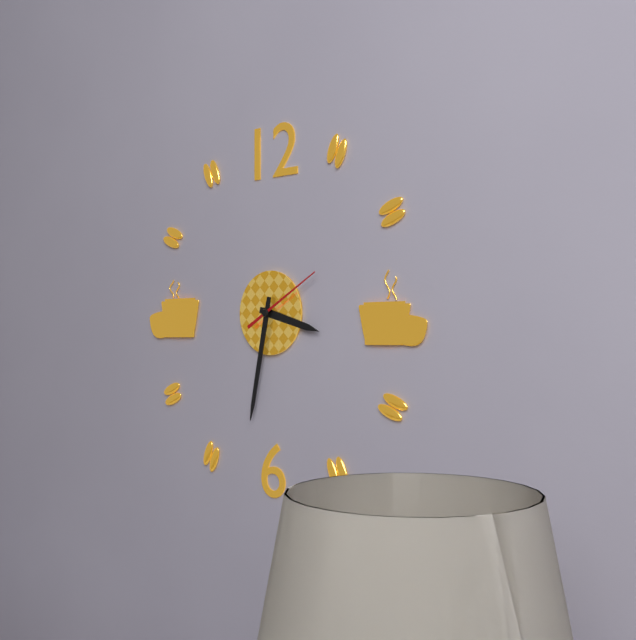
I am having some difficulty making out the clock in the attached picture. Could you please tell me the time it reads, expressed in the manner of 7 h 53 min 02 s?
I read 3 h 32 min 10 s
